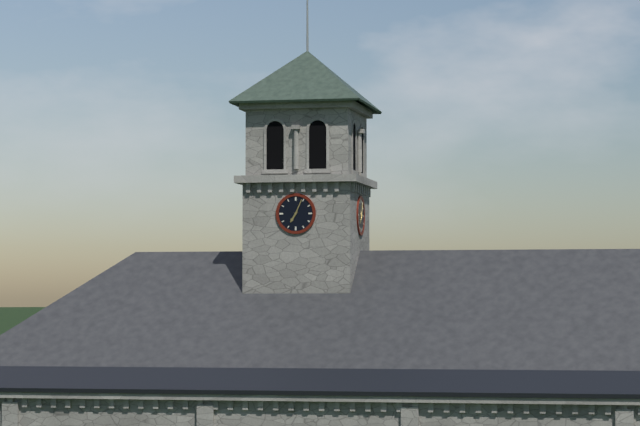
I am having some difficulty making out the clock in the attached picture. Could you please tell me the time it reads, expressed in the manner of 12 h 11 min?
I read 7 h 04 min
